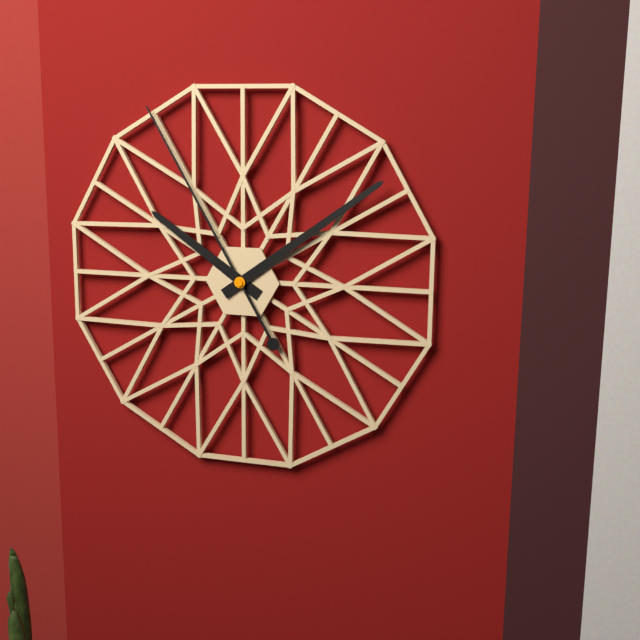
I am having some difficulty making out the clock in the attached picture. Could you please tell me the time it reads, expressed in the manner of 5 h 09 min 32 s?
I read 10 h 09 min 55 s
